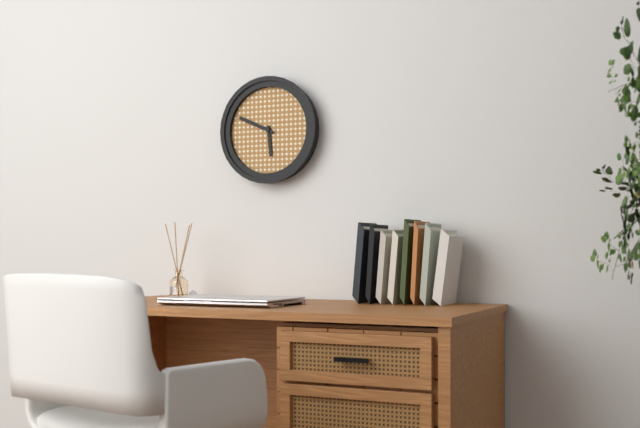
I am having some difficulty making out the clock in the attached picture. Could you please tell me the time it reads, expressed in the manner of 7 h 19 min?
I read 5 h 49 min
